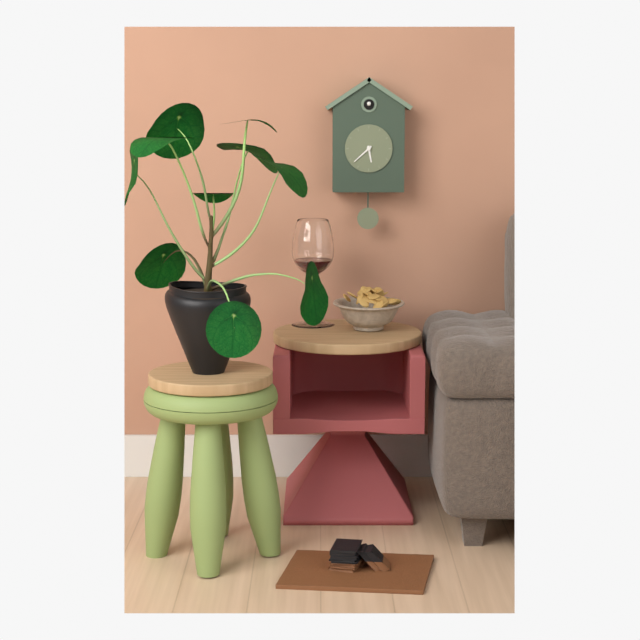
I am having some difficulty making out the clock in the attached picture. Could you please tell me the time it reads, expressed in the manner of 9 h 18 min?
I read 5 h 38 min
